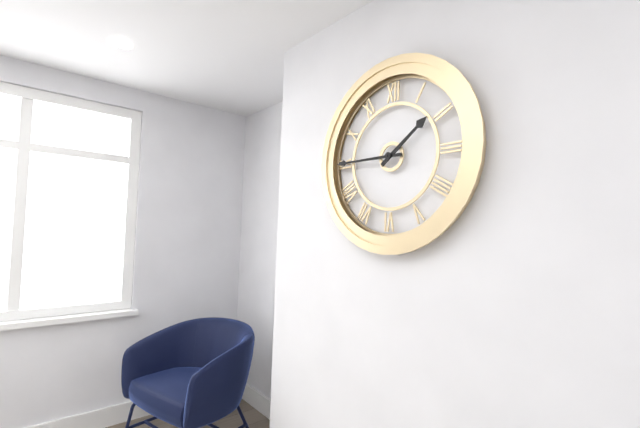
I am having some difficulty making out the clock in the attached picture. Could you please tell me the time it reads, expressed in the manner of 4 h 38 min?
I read 1 h 45 min
